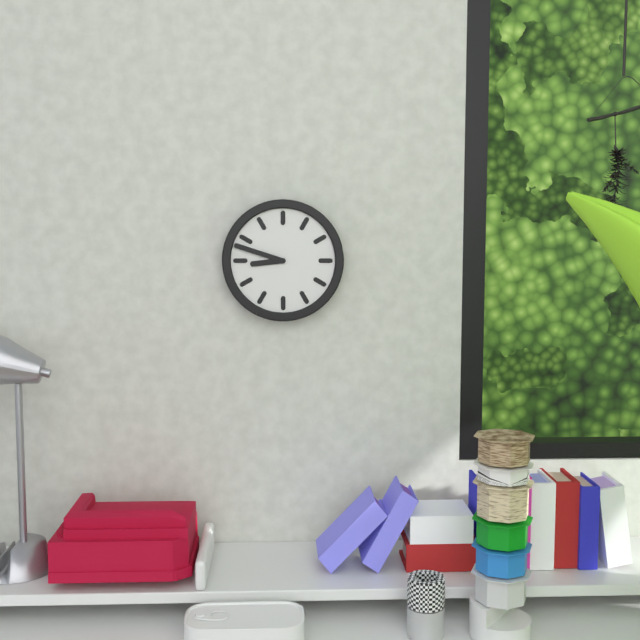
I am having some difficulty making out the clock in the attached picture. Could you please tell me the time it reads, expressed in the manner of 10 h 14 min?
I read 8 h 48 min
